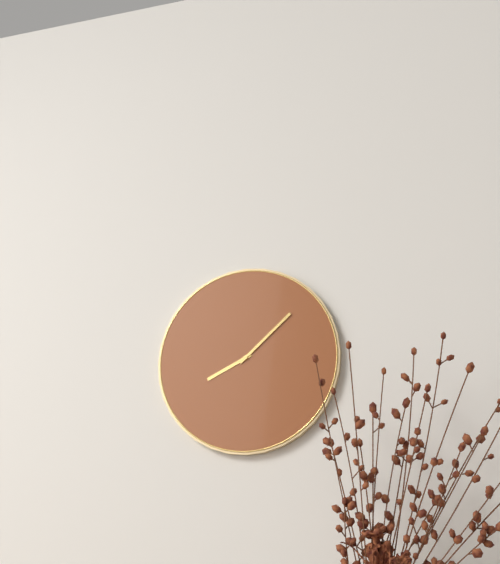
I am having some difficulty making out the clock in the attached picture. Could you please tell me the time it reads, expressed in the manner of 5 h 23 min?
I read 8 h 08 min
